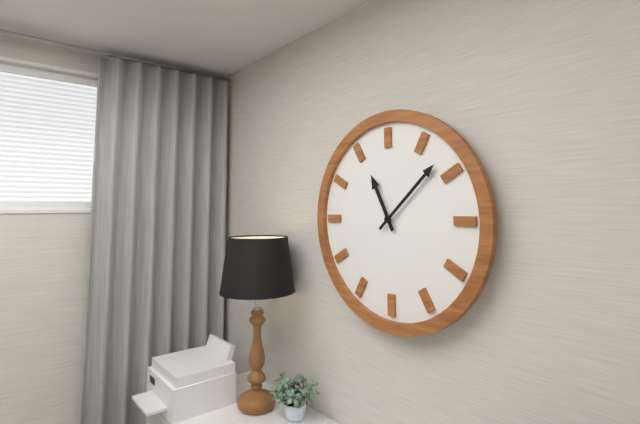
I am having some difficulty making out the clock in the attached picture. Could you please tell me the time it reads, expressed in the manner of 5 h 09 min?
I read 11 h 08 min
